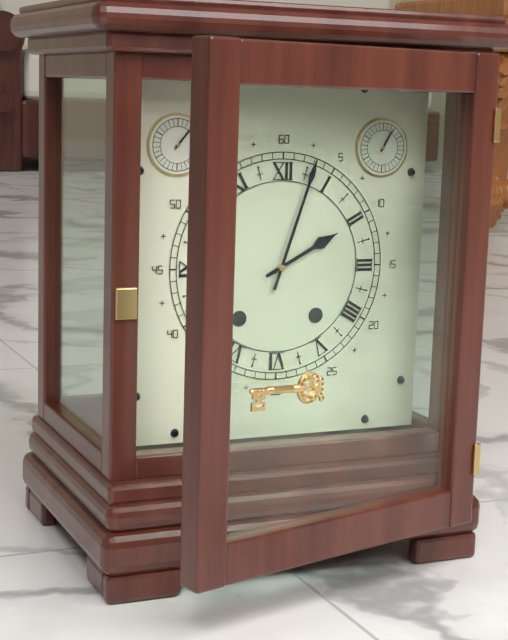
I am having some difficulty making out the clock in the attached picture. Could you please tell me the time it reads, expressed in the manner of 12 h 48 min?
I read 2 h 03 min
